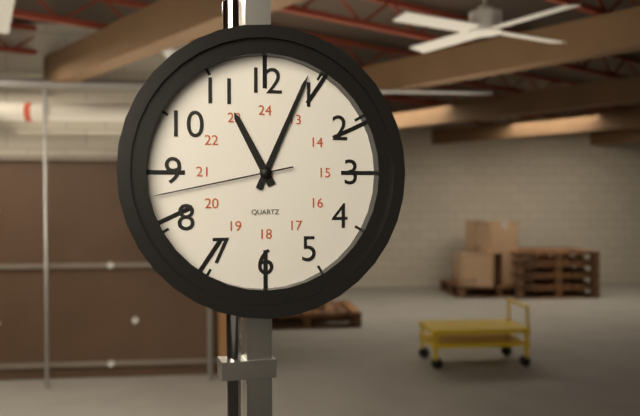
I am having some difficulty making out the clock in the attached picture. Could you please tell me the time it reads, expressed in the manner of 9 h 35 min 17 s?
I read 11 h 04 min 43 s
